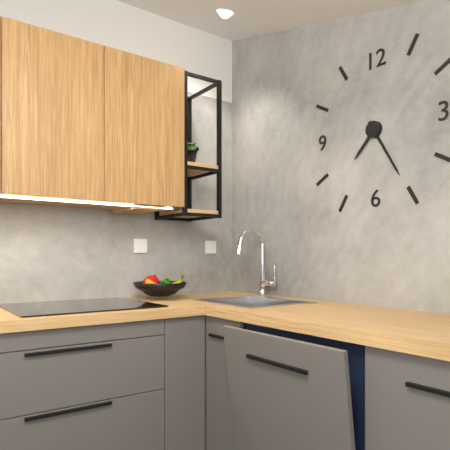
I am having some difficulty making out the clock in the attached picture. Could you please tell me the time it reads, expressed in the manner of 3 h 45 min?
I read 7 h 25 min
